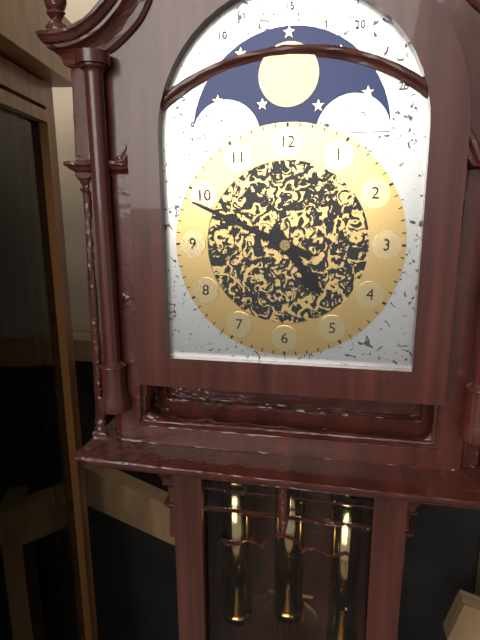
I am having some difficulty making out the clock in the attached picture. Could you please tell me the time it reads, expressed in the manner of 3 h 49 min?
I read 4 h 49 min
